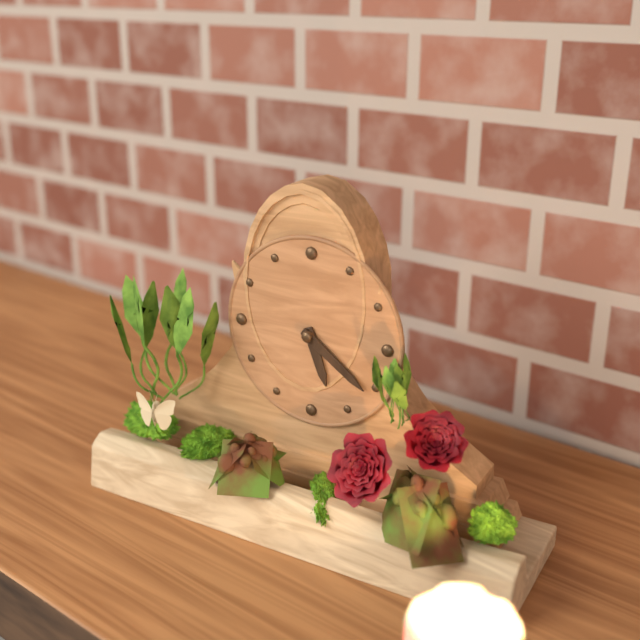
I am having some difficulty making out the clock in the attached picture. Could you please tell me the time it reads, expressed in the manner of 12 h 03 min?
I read 5 h 21 min
